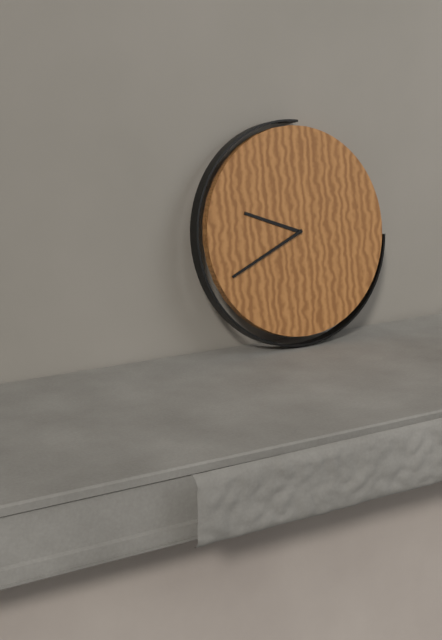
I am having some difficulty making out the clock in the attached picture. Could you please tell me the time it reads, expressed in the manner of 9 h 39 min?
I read 9 h 41 min
